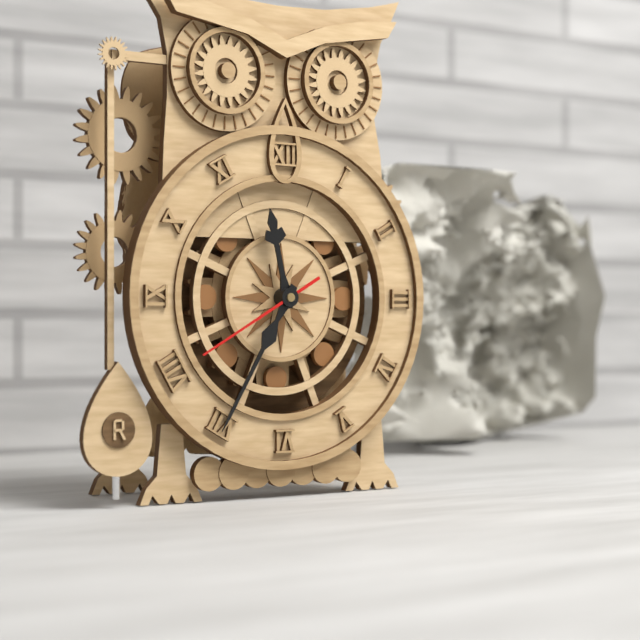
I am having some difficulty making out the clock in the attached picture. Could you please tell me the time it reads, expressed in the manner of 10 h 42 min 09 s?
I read 11 h 35 min 40 s
